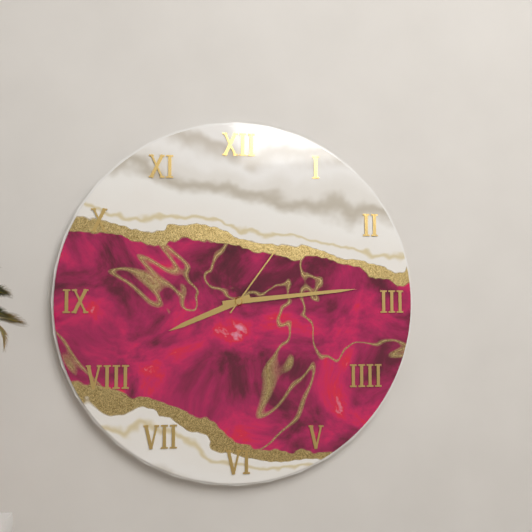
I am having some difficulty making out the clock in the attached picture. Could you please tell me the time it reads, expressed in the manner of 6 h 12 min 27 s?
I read 8 h 14 min 06 s
